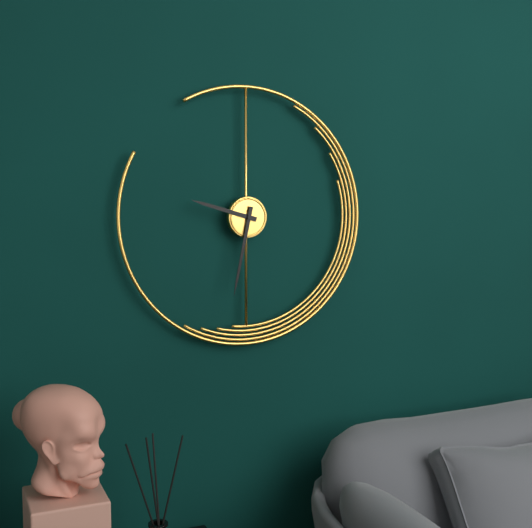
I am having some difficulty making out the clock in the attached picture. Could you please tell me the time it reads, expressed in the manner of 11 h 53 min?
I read 9 h 32 min
